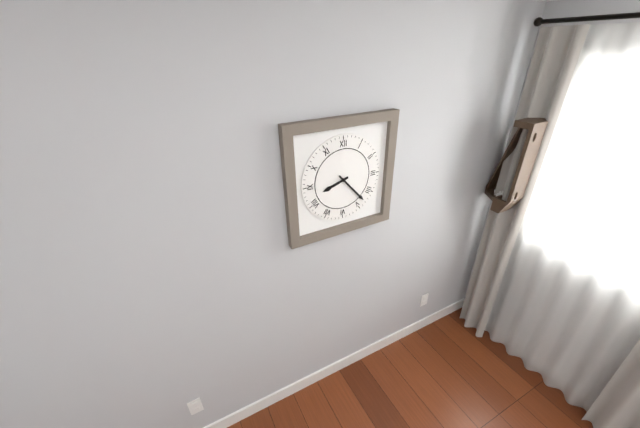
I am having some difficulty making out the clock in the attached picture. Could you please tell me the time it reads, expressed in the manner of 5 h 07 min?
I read 8 h 23 min
